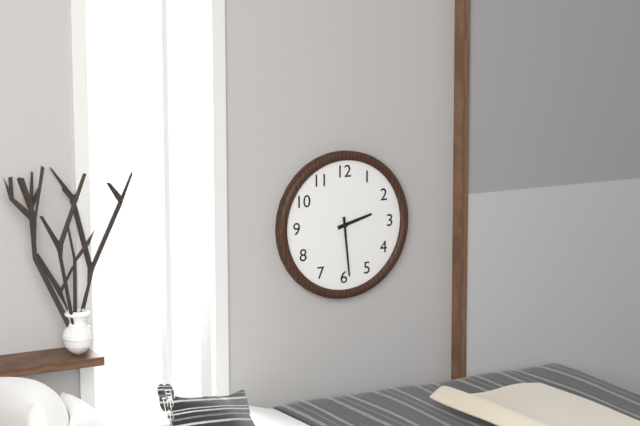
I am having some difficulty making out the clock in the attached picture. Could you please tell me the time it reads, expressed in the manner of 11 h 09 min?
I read 2 h 29 min
